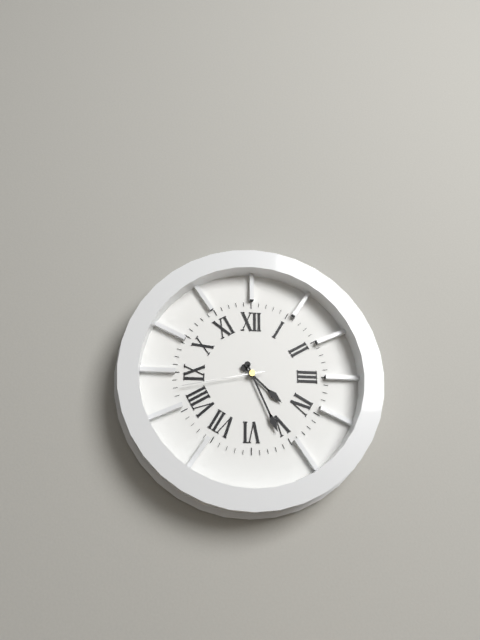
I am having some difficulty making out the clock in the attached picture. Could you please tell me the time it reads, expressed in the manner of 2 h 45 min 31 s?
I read 4 h 26 min 43 s
